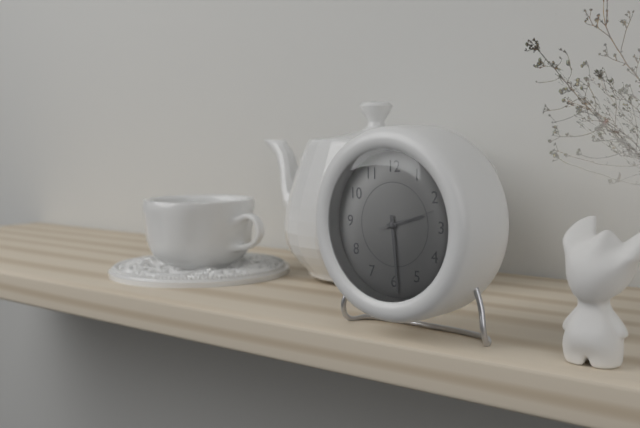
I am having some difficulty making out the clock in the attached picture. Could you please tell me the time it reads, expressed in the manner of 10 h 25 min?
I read 2 h 29 min
